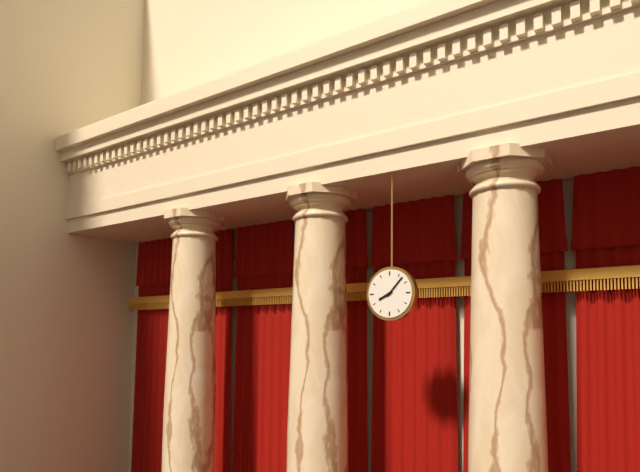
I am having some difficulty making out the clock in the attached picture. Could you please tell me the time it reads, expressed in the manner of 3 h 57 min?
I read 8 h 07 min
